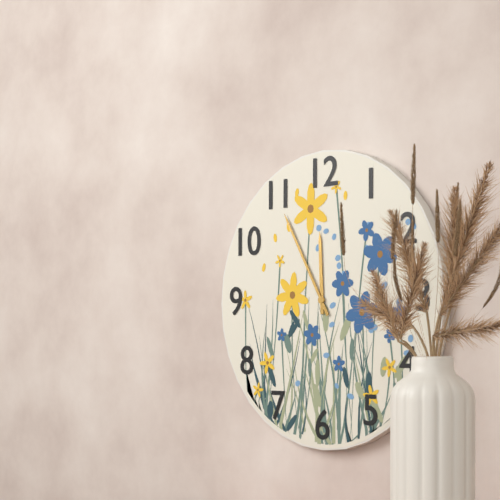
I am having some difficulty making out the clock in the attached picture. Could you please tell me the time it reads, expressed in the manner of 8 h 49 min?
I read 11 h 55 min
